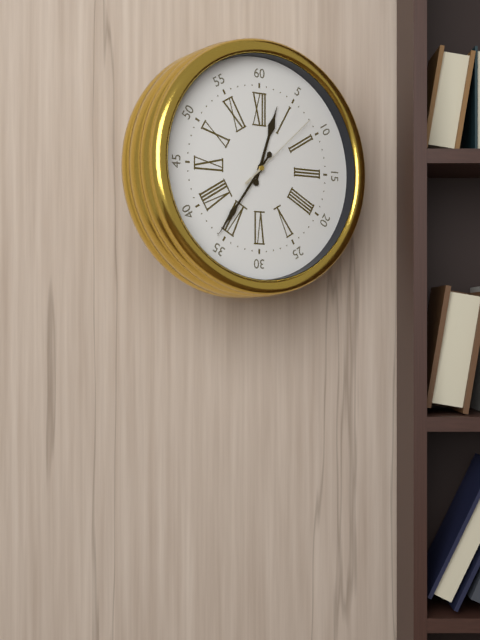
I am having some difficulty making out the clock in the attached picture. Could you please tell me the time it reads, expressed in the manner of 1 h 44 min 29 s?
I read 12 h 36 min 08 s
